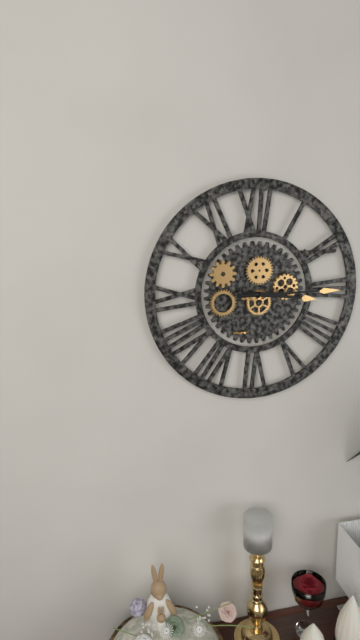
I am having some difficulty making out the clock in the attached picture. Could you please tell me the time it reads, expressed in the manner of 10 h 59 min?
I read 3 h 15 min
